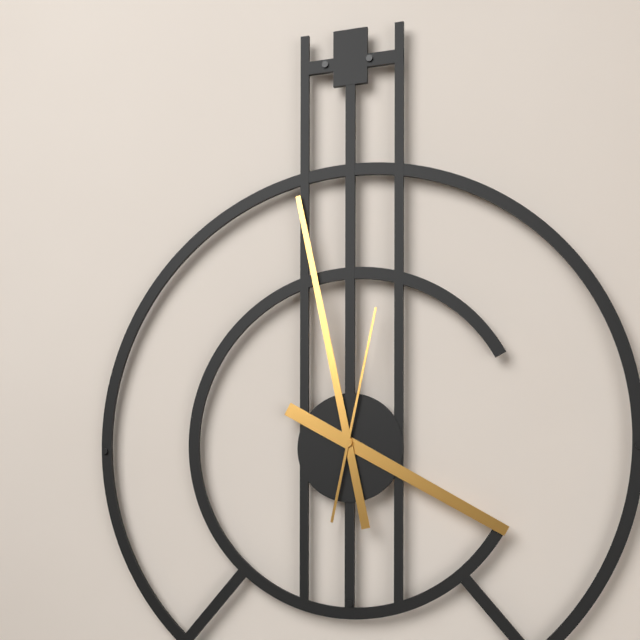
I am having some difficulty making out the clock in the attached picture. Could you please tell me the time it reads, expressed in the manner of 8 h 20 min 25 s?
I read 3 h 58 min 02 s
